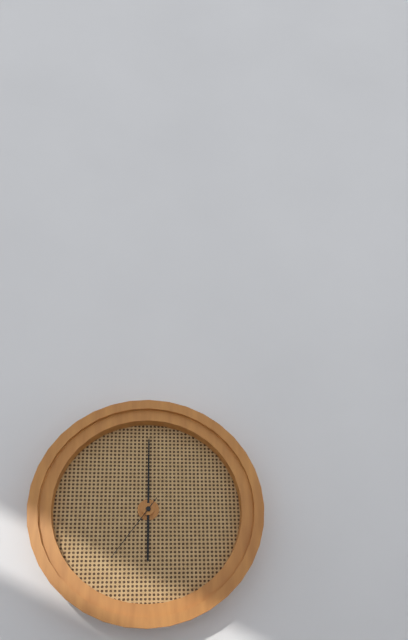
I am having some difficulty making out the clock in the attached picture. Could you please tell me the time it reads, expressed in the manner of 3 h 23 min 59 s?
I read 6 h 00 min 36 s
